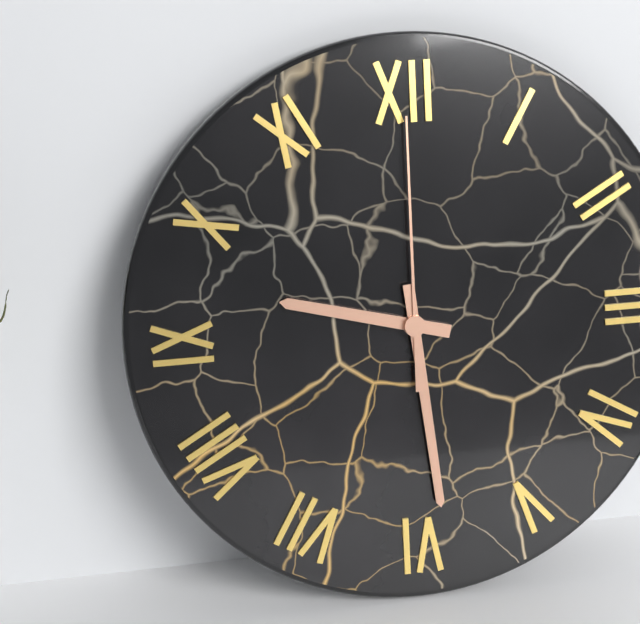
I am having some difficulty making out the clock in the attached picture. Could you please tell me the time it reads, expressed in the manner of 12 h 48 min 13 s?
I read 9 h 29 min 00 s
